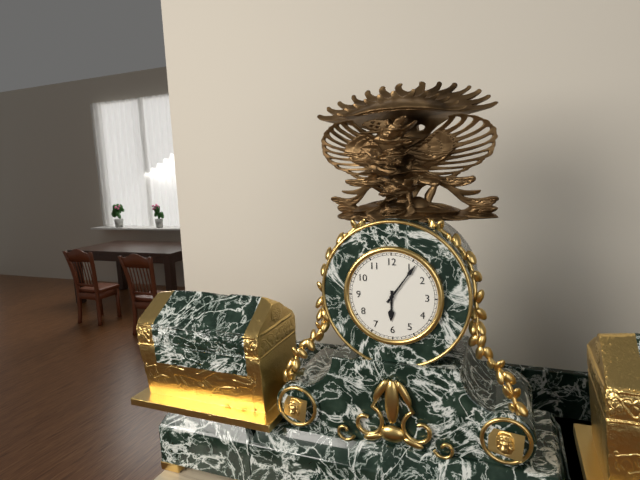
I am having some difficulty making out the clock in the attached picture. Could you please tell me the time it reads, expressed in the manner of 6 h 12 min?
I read 6 h 06 min
